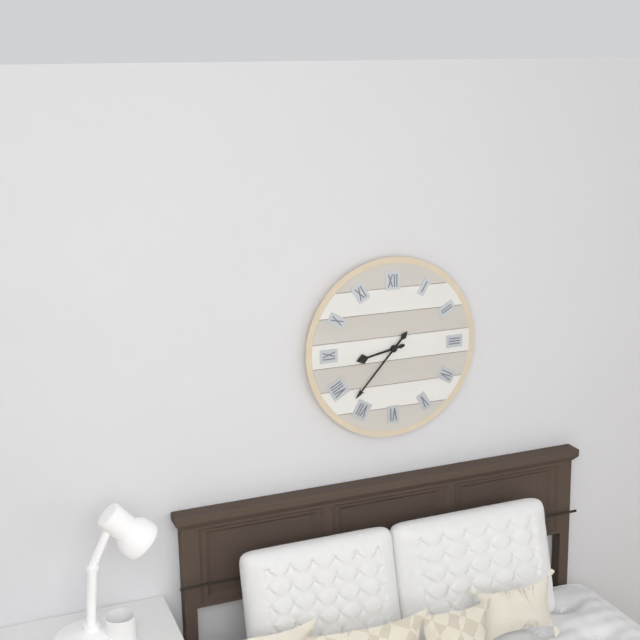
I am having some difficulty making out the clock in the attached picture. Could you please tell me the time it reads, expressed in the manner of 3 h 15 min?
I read 8 h 37 min
